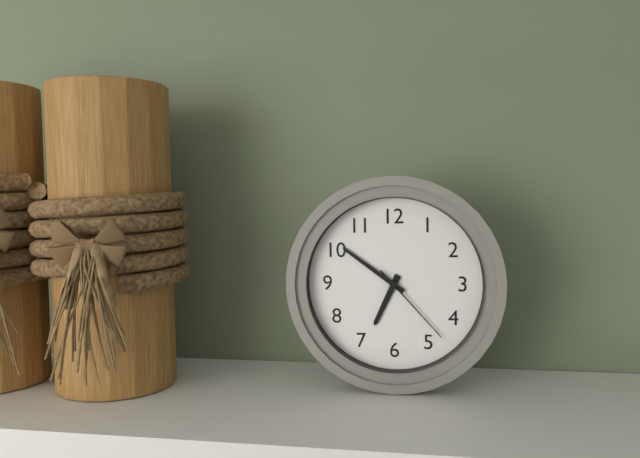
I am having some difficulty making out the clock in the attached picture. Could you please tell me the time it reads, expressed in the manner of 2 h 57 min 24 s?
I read 6 h 51 min 23 s
